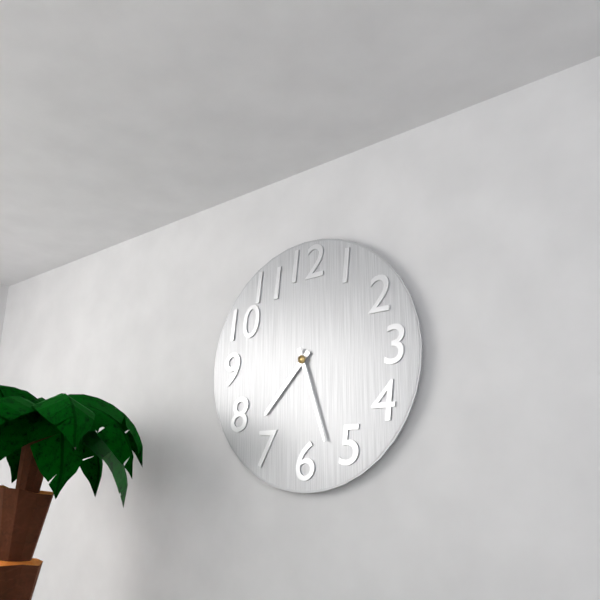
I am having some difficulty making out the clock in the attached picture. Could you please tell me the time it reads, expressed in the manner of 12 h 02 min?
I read 7 h 27 min
